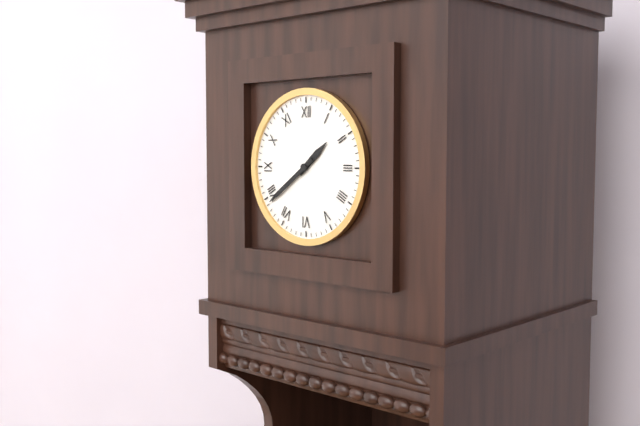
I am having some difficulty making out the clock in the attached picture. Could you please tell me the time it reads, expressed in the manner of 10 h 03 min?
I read 1 h 39 min
